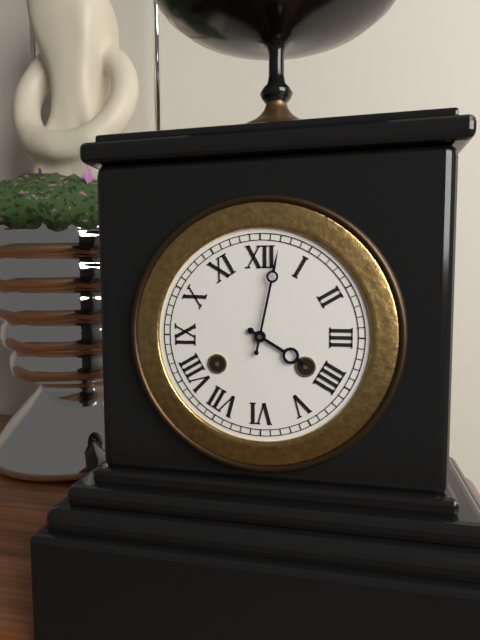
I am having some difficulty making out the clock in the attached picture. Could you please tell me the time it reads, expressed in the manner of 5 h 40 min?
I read 4 h 02 min
